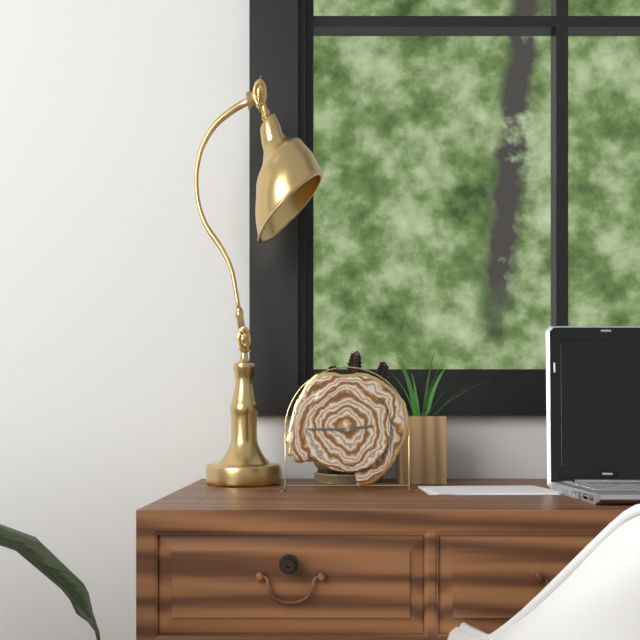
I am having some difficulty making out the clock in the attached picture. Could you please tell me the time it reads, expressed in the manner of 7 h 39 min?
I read 2 h 45 min
